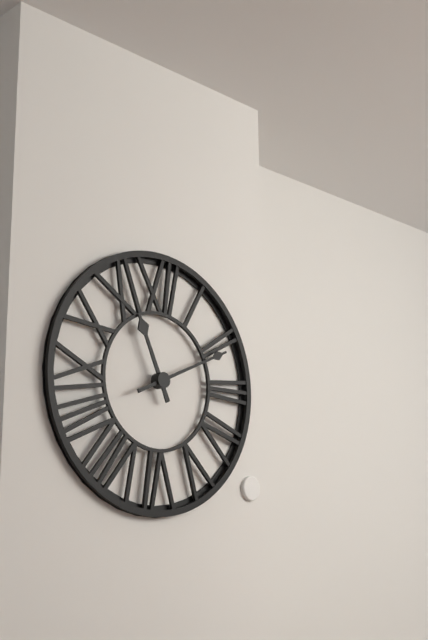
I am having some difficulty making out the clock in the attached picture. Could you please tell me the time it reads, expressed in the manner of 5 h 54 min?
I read 11 h 11 min
